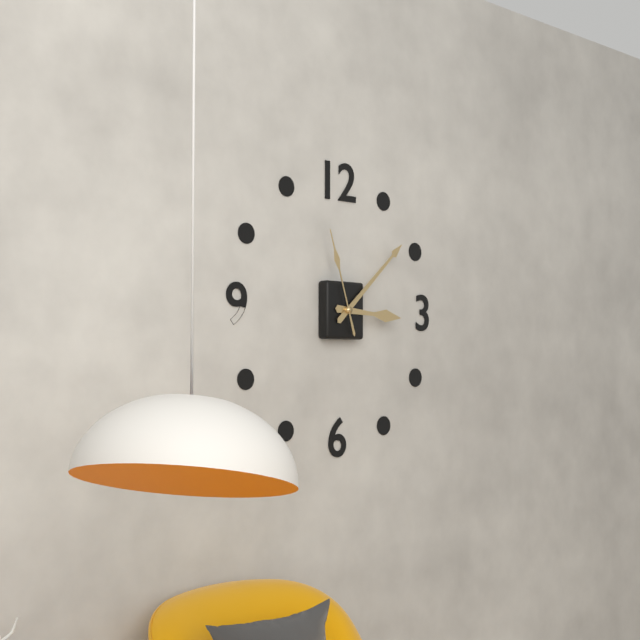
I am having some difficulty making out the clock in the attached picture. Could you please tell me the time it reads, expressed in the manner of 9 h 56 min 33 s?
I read 3 h 08 min 57 s
